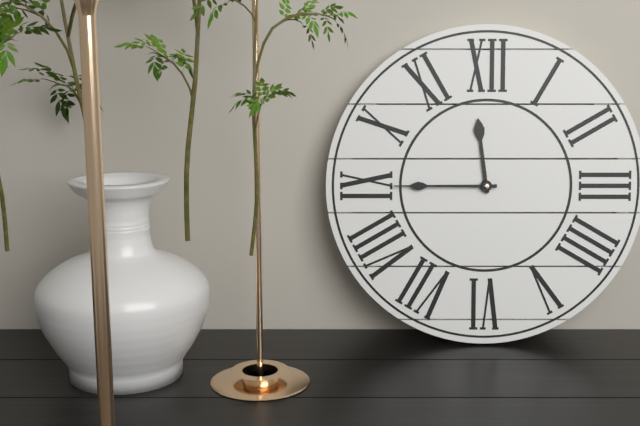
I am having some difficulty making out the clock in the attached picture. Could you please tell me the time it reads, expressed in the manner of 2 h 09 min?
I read 11 h 45 min
